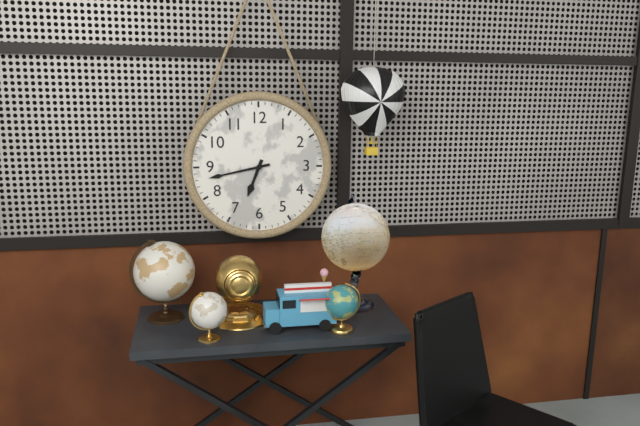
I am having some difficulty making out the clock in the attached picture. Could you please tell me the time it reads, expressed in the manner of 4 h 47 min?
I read 6 h 43 min
